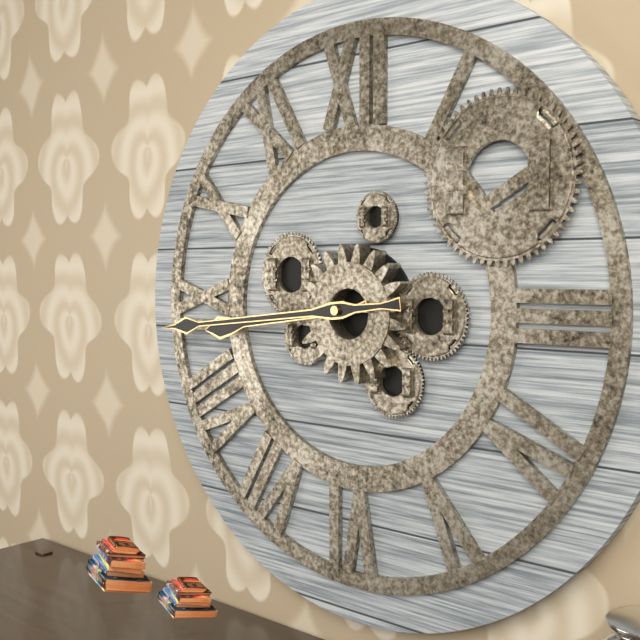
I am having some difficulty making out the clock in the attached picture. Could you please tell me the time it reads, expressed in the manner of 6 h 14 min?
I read 8 h 44 min
